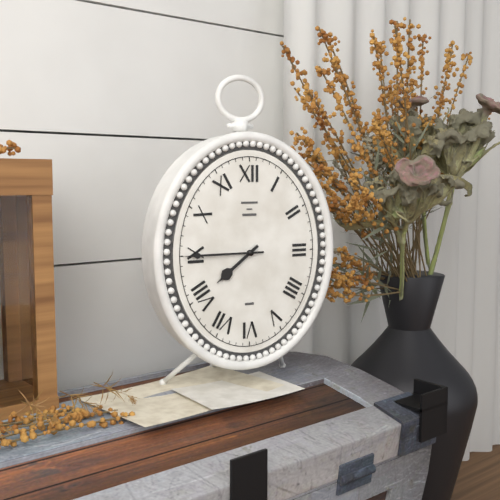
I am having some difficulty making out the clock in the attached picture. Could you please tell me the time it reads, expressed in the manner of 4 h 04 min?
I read 7 h 45 min
